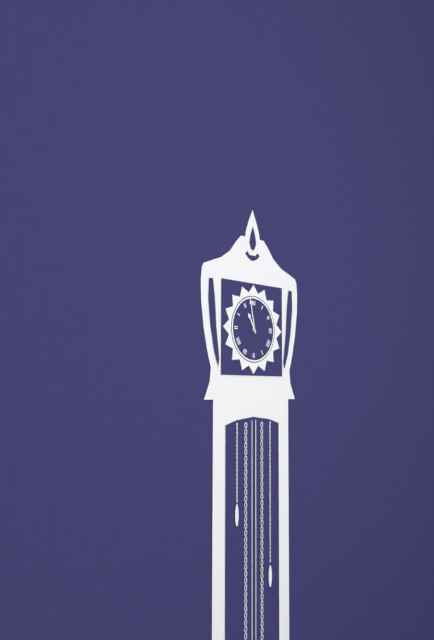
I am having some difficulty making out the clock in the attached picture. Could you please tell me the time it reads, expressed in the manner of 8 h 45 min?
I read 10 h 58 min
